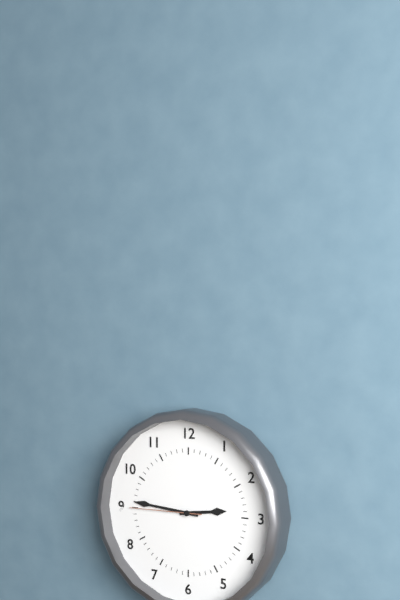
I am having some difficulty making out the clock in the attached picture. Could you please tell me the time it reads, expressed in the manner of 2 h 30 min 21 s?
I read 2 h 46 min 45 s
